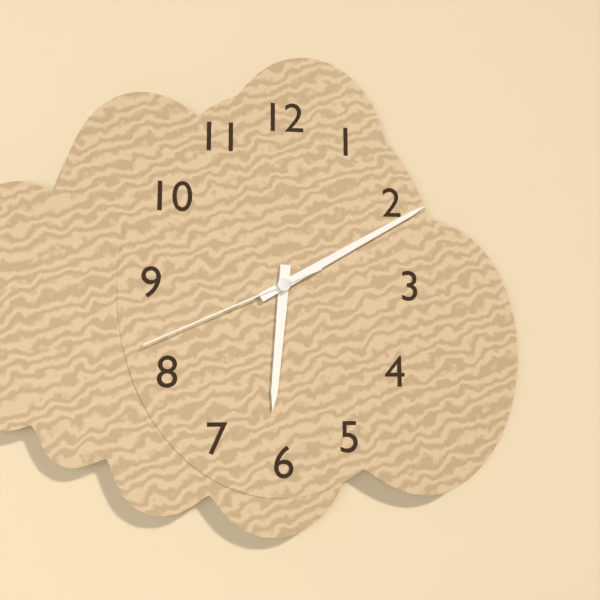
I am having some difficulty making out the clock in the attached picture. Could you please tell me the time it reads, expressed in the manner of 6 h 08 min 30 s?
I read 6 h 10 min 41 s
